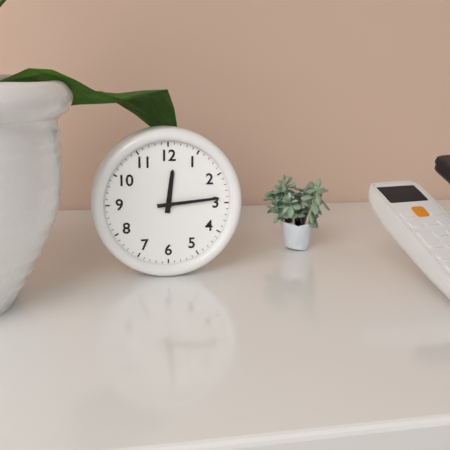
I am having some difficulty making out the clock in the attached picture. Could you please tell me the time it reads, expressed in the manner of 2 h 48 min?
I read 12 h 14 min
